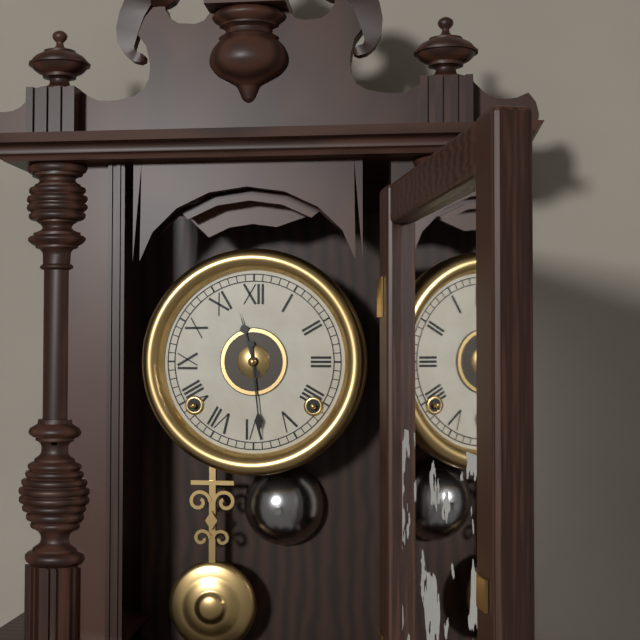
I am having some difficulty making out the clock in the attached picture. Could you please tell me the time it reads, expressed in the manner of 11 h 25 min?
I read 11 h 29 min
